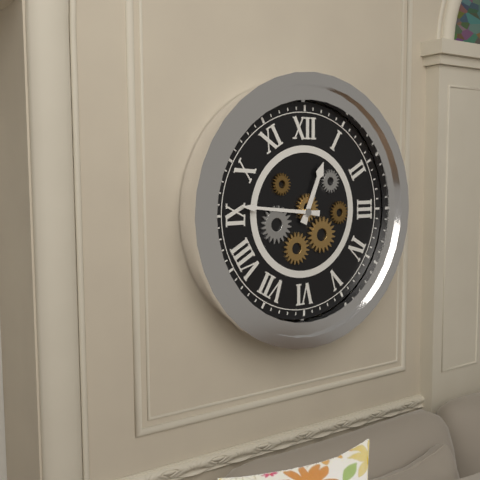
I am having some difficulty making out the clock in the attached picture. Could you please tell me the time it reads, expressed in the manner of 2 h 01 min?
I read 12 h 46 min
